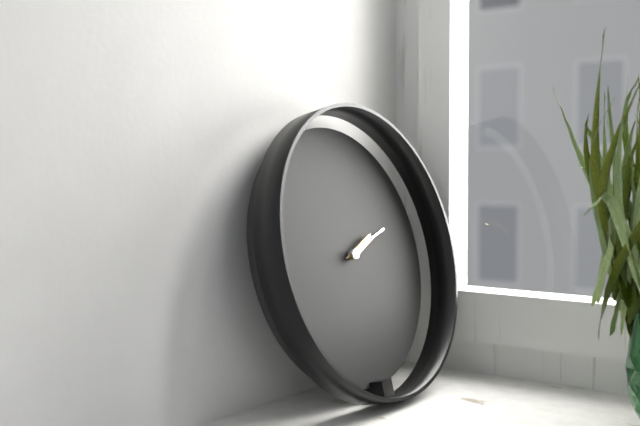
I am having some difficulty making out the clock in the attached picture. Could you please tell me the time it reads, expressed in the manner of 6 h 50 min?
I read 2 h 12 min
